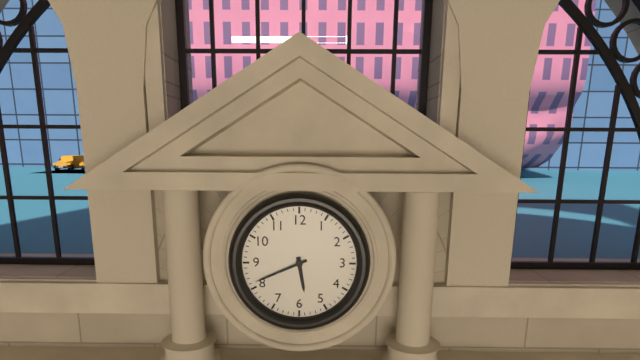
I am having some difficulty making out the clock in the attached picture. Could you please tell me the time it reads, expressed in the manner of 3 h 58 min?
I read 5 h 41 min
